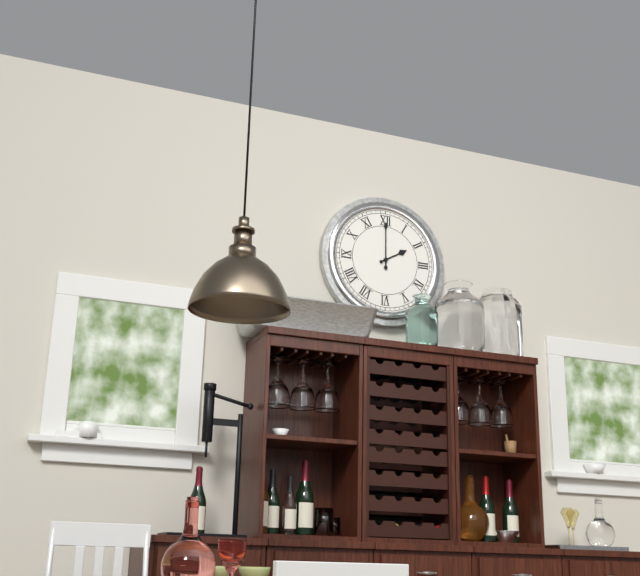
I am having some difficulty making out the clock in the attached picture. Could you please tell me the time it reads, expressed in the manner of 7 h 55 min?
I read 2 h 00 min
